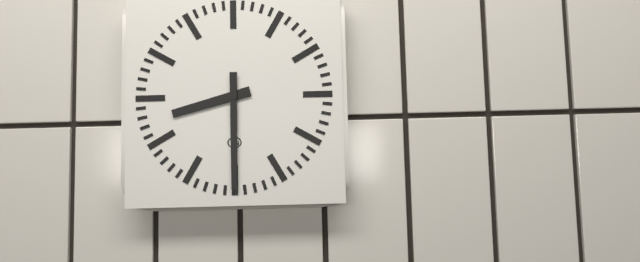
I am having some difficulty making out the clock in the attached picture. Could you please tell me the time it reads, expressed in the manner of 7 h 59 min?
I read 8 h 30 min
